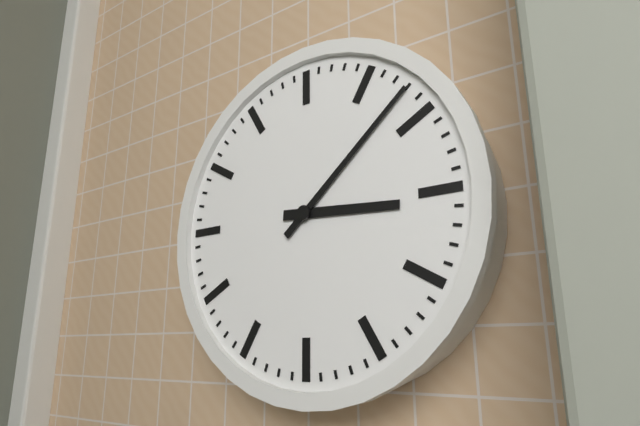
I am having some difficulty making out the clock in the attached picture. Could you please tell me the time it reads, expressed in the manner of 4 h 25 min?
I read 3 h 08 min
